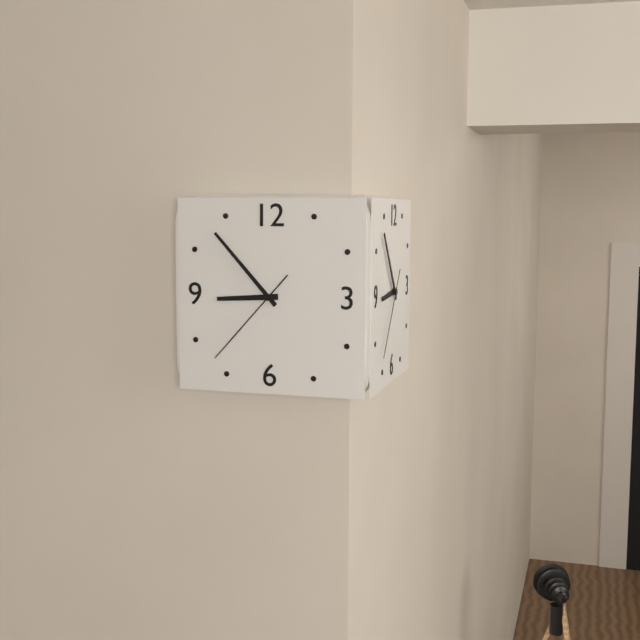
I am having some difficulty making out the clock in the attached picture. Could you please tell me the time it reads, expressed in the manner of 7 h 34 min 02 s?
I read 8 h 53 min 37 s
